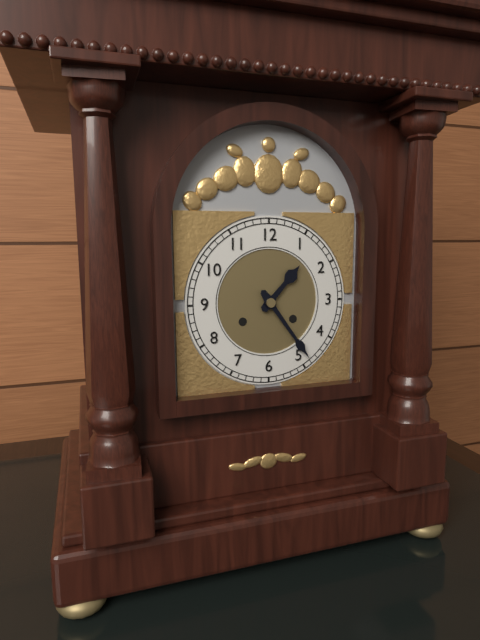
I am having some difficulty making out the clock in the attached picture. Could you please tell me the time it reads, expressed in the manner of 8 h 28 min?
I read 1 h 24 min
